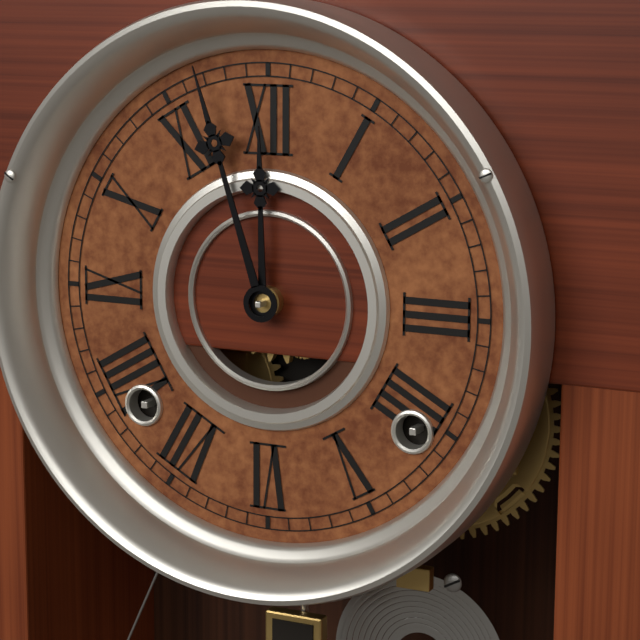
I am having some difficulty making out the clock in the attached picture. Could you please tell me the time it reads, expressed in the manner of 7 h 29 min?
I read 11 h 57 min
